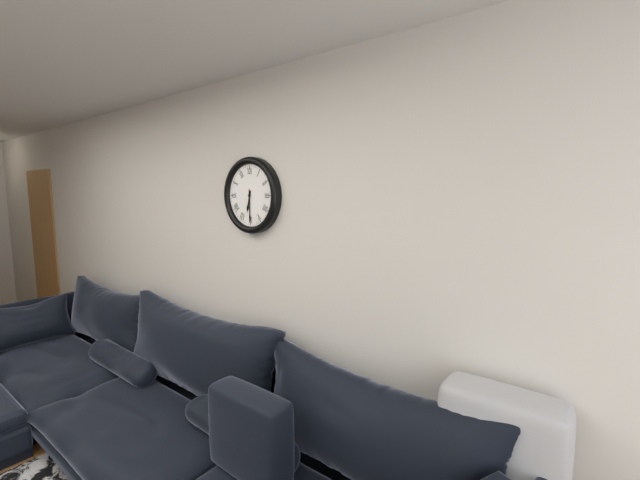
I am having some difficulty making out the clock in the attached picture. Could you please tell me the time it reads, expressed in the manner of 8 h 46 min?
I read 6 h 30 min
